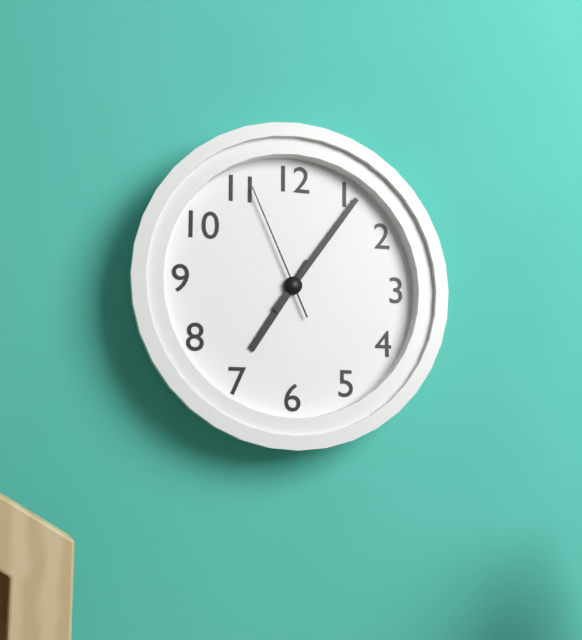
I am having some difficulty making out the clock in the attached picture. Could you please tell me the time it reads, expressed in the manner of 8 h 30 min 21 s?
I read 7 h 06 min 56 s
